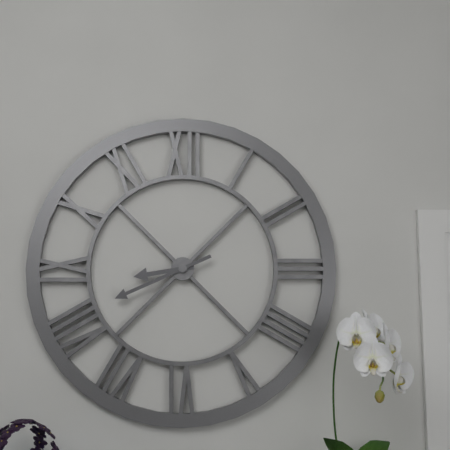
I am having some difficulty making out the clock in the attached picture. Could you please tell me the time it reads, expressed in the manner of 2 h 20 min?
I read 8 h 41 min
